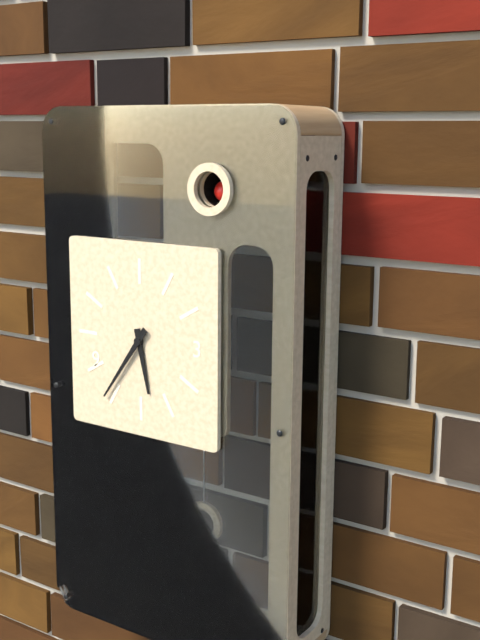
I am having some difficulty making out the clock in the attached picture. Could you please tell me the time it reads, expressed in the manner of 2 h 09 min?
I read 5 h 36 min
